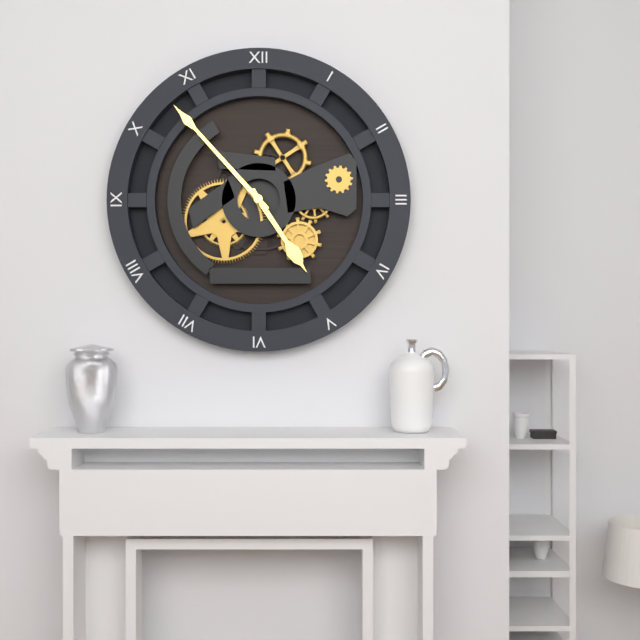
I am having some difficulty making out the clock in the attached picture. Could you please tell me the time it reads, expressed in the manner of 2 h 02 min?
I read 4 h 53 min
